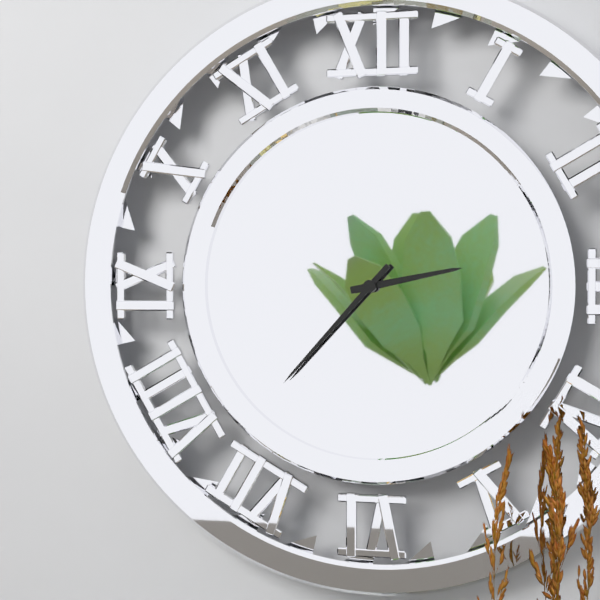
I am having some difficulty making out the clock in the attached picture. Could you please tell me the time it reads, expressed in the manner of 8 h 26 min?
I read 2 h 37 min
